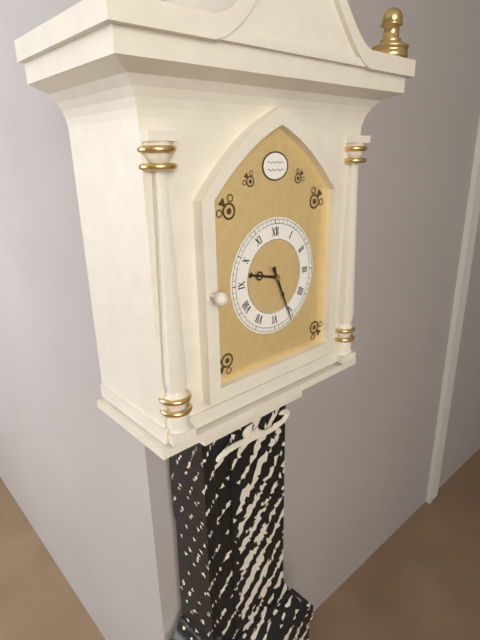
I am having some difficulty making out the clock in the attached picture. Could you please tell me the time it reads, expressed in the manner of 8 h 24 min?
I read 9 h 26 min
